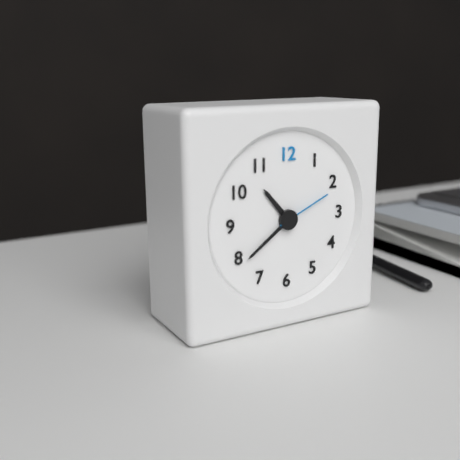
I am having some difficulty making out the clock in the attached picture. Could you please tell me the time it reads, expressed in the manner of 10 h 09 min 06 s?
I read 10 h 39 min 11 s
